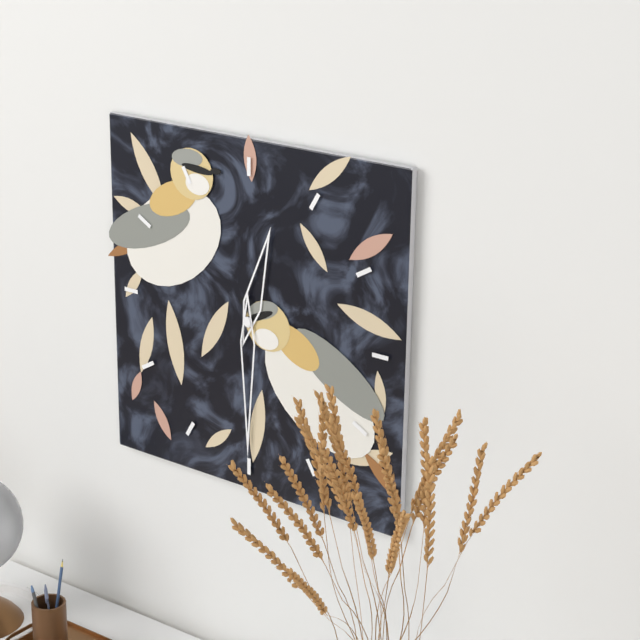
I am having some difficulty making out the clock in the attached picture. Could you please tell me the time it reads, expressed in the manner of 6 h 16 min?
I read 12 h 30 min
